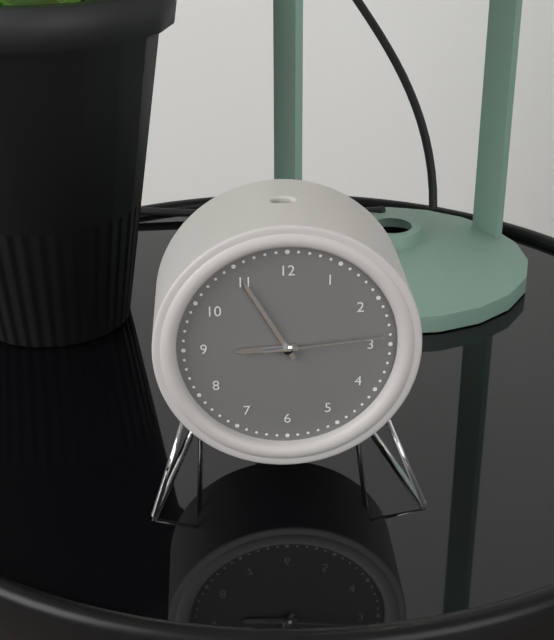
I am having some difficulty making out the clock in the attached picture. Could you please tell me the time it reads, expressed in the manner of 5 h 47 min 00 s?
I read 8 h 55 min 14 s
